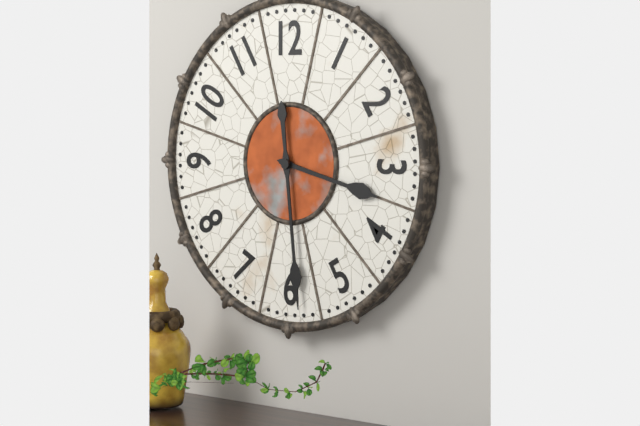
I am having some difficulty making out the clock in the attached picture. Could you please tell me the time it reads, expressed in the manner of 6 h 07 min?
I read 3 h 29 min
